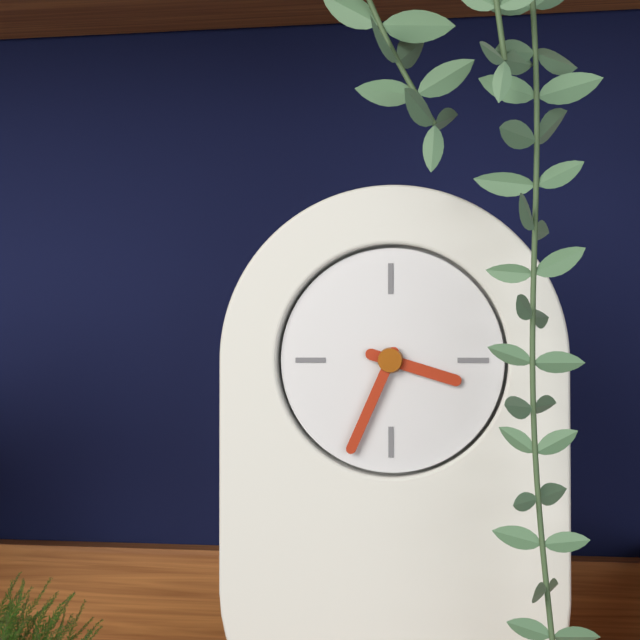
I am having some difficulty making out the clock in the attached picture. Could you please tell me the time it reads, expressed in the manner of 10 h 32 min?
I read 3 h 34 min
